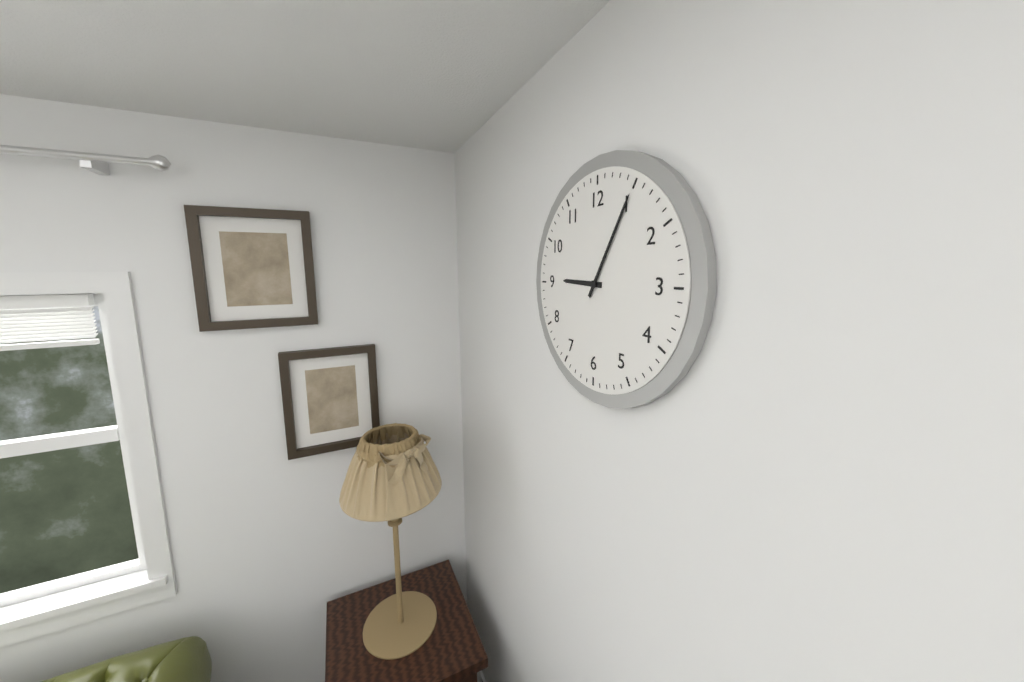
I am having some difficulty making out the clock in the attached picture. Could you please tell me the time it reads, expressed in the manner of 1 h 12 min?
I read 9 h 05 min
